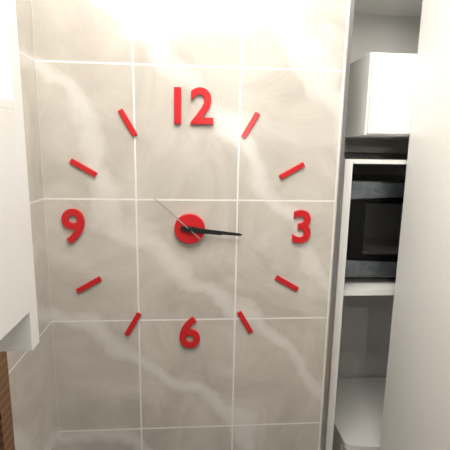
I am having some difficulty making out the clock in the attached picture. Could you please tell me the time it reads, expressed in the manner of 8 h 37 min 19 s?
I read 3 h 16 min 52 s
